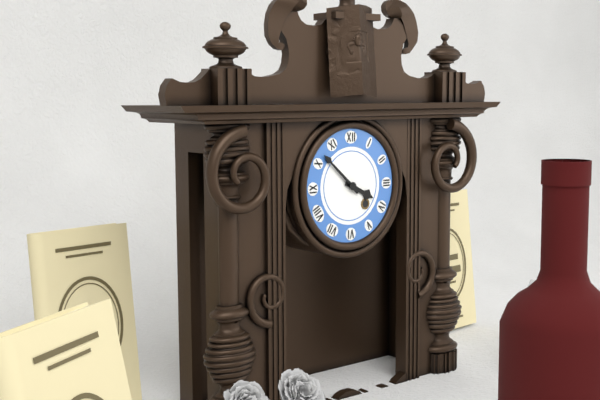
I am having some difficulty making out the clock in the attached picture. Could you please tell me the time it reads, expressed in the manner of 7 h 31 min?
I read 3 h 52 min
